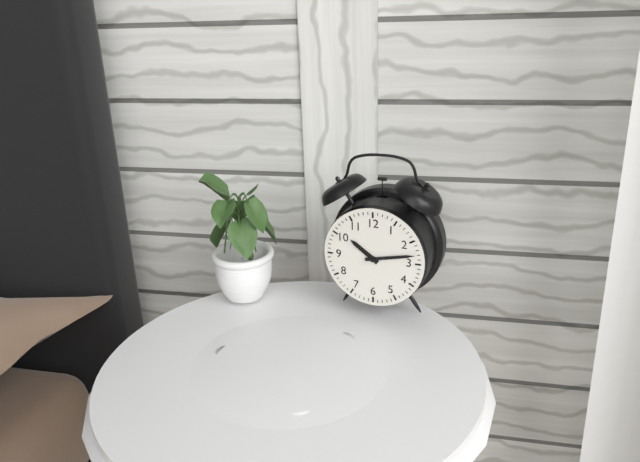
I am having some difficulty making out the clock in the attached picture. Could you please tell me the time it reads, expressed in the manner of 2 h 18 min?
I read 10 h 13 min
